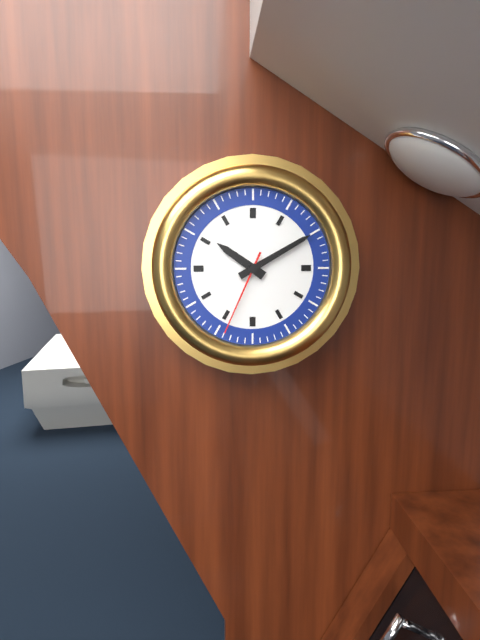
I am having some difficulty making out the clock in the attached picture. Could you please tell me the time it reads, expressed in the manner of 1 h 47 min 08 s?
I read 10 h 10 min 34 s
